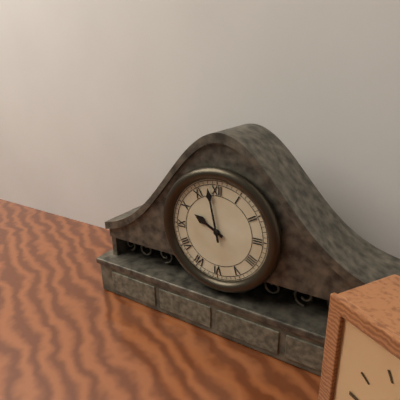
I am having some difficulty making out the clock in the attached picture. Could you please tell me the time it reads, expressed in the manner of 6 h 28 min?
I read 9 h 58 min
